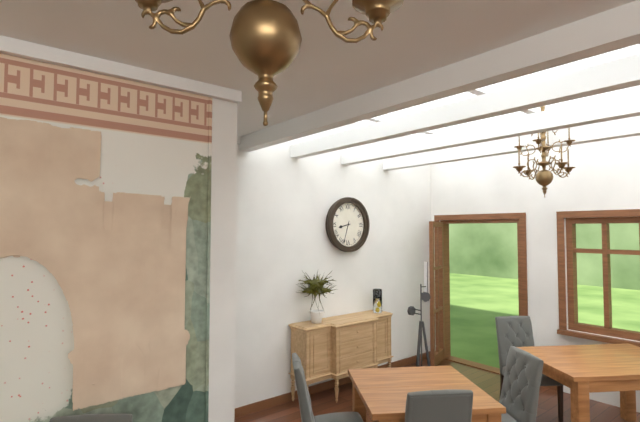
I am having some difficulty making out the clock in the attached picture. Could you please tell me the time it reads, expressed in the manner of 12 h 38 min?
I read 8 h 33 min
